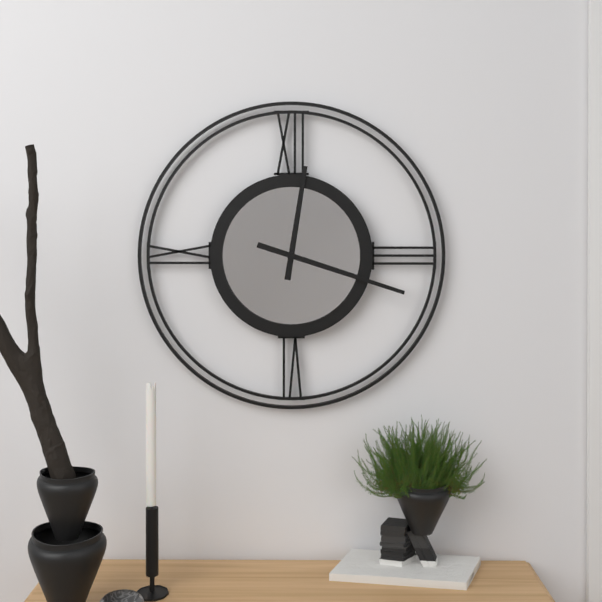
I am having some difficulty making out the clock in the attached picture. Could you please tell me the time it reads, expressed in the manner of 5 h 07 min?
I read 12 h 18 min
